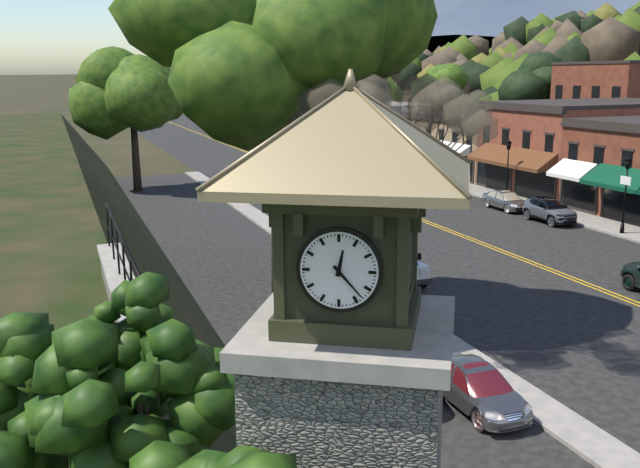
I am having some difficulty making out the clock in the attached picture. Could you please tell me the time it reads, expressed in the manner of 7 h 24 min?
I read 12 h 23 min
